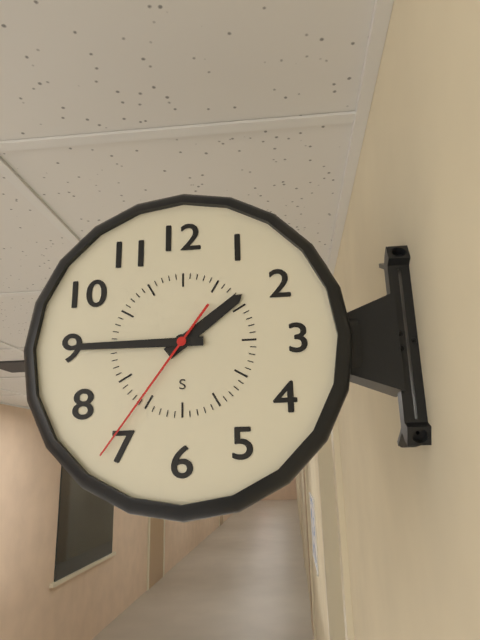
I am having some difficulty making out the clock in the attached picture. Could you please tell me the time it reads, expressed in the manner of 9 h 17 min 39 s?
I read 1 h 45 min 36 s
